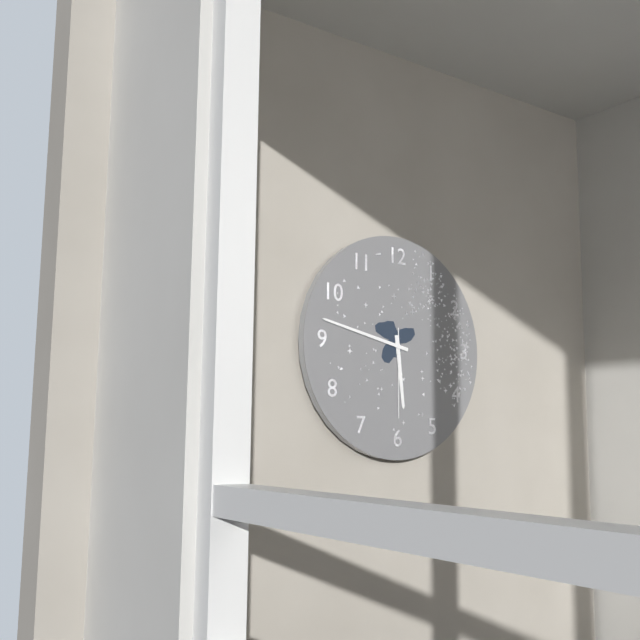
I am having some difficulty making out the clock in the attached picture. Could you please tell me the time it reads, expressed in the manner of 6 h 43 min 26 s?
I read 5 h 47 min 30 s
